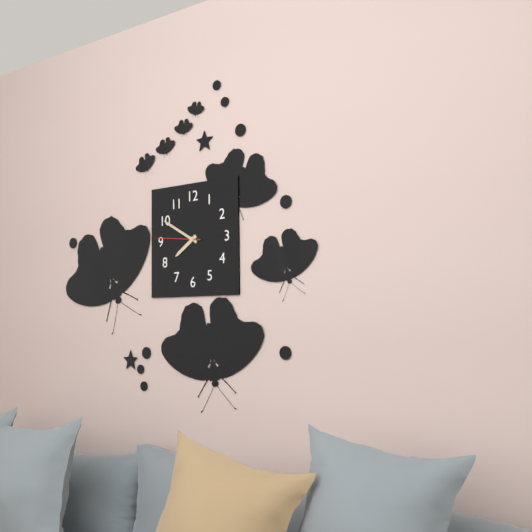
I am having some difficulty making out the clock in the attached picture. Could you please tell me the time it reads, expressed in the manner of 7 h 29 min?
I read 7 h 50 min
